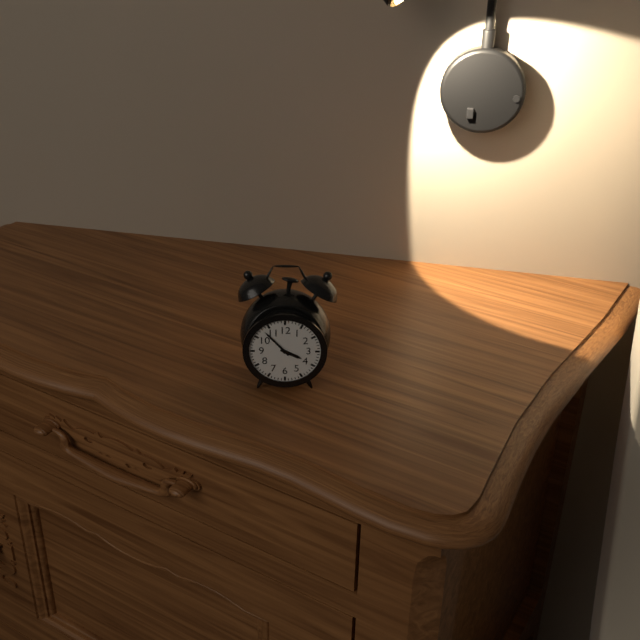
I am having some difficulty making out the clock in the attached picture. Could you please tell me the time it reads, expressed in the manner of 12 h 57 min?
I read 3 h 53 min
